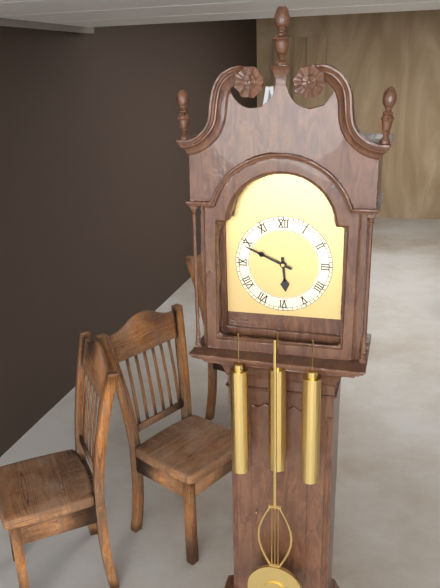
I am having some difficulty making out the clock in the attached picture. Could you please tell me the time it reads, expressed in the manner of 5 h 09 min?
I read 5 h 49 min
